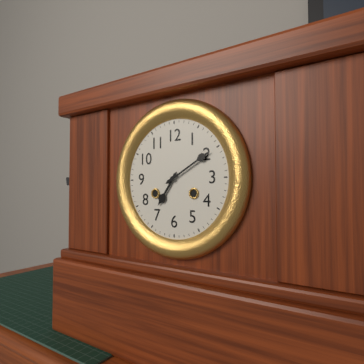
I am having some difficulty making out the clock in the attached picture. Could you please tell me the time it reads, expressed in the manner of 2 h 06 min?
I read 7 h 10 min
